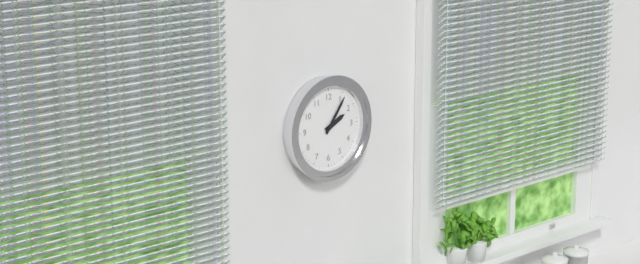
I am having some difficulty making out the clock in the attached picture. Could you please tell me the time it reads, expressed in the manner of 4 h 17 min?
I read 2 h 06 min
